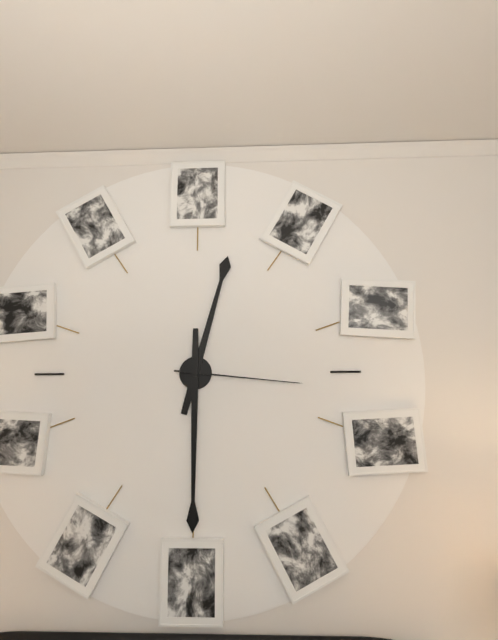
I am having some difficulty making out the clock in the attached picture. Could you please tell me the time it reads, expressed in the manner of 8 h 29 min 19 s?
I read 12 h 30 min 16 s
